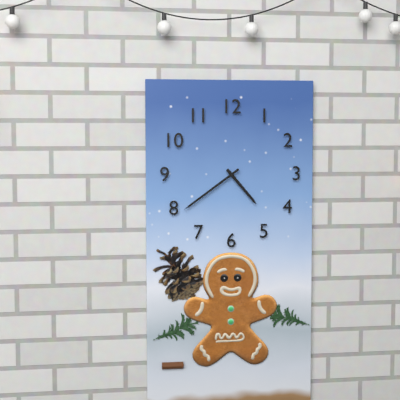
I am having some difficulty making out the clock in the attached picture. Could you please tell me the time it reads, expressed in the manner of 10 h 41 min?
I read 4 h 39 min
